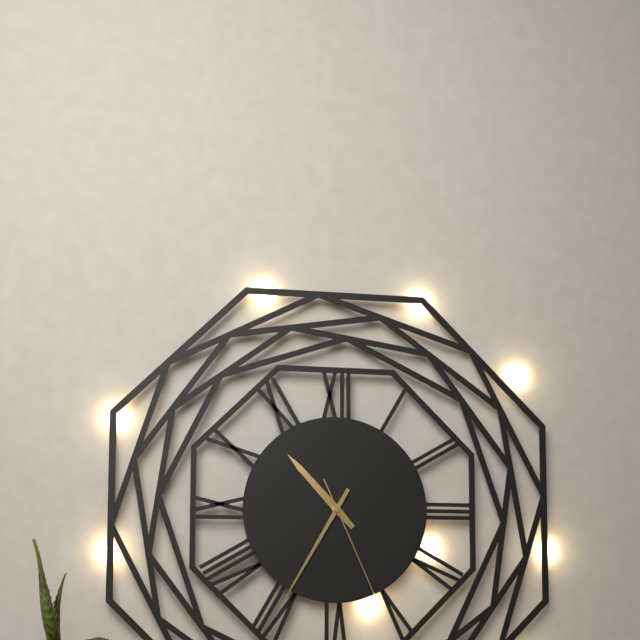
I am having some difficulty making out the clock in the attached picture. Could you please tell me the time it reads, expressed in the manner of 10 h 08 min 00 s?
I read 10 h 35 min 26 s
